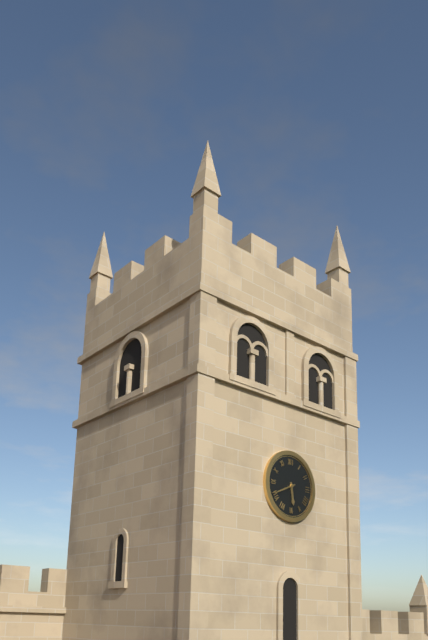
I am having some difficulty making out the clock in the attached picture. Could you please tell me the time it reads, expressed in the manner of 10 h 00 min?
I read 5 h 41 min
